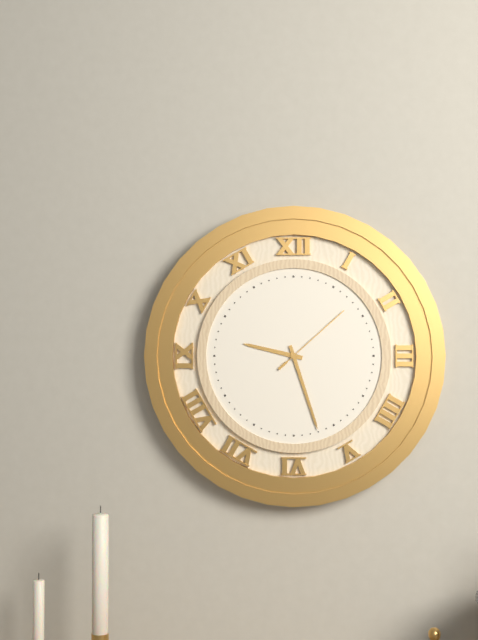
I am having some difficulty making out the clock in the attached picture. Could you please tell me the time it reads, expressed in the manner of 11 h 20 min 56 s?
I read 9 h 27 min 08 s
